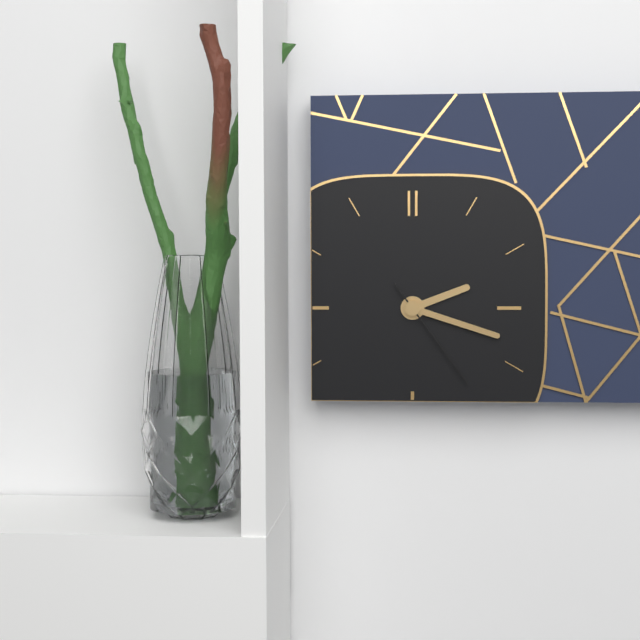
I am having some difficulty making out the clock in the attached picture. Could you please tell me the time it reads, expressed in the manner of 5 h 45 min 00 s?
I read 2 h 18 min 24 s
